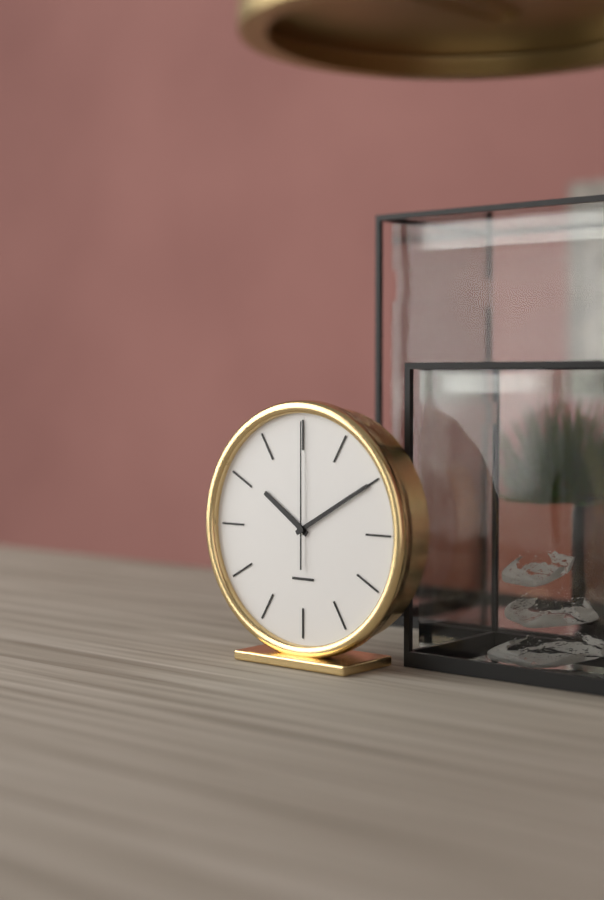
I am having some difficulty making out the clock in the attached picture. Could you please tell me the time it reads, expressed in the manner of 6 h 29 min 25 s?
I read 10 h 10 min 00 s
